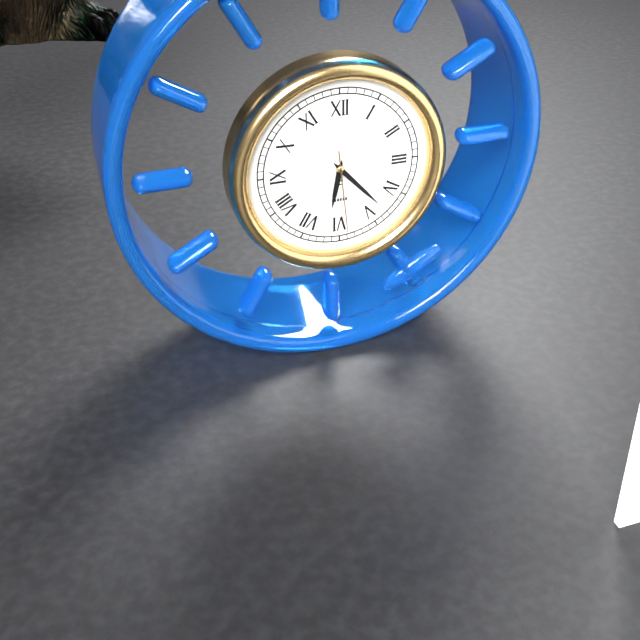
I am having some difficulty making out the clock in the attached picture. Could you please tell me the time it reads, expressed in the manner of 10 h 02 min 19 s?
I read 6 h 23 min 29 s
